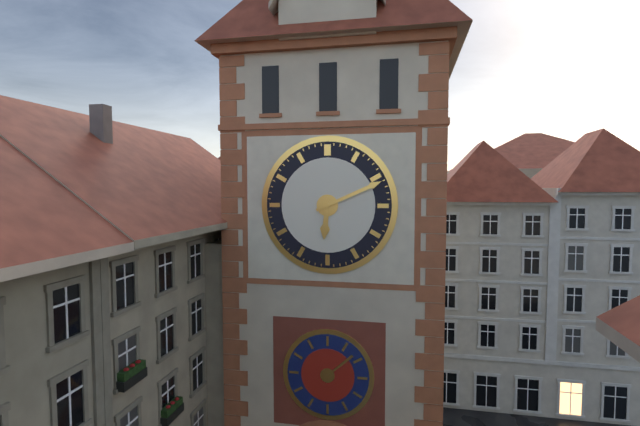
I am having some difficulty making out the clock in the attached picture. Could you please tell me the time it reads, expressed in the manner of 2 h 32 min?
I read 6 h 11 min
